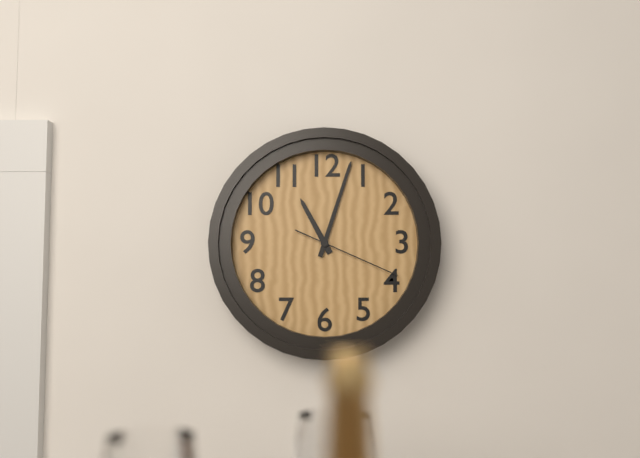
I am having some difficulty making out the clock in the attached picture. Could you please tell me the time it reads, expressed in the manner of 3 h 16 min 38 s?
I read 11 h 03 min 19 s
